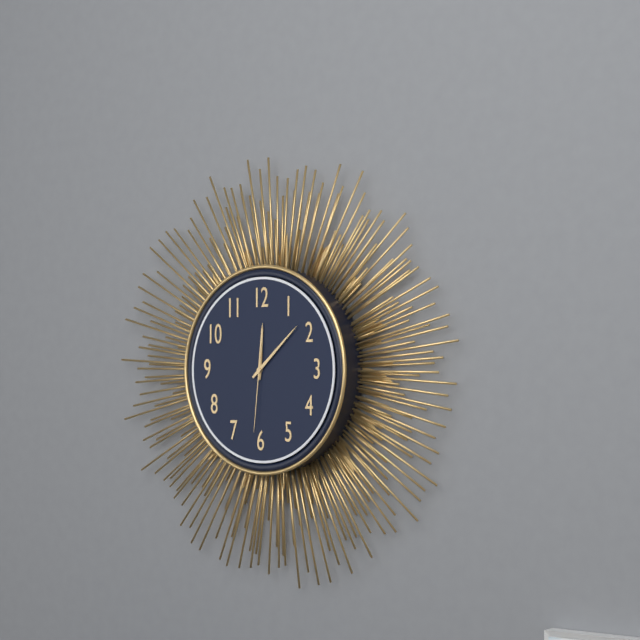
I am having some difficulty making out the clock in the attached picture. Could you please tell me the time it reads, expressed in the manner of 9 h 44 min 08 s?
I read 12 h 08 min 31 s
